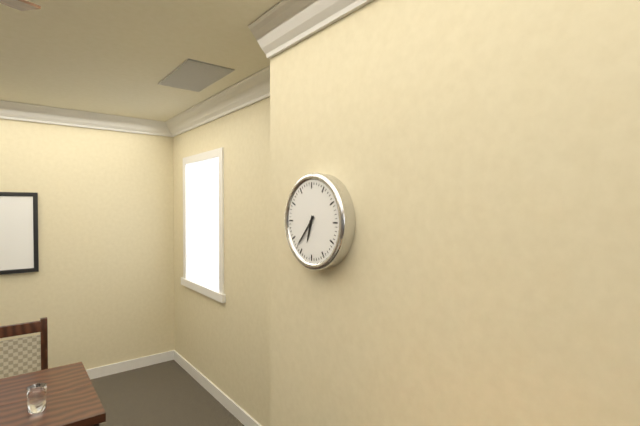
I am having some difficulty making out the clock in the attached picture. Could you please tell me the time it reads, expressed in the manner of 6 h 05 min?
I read 6 h 37 min
